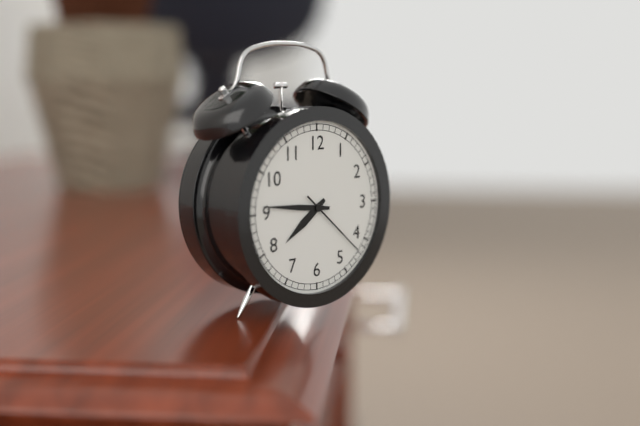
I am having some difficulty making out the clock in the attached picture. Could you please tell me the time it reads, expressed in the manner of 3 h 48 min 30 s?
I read 7 h 46 min 22 s
